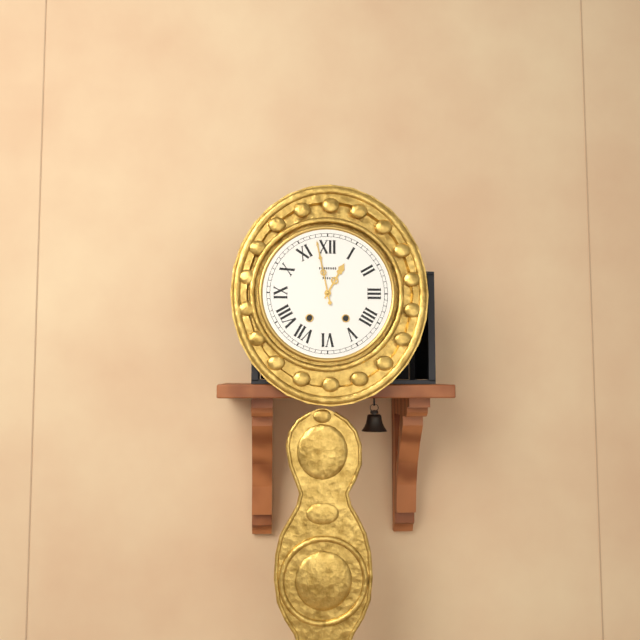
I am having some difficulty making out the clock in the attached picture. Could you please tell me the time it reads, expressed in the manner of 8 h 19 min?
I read 12 h 58 min
